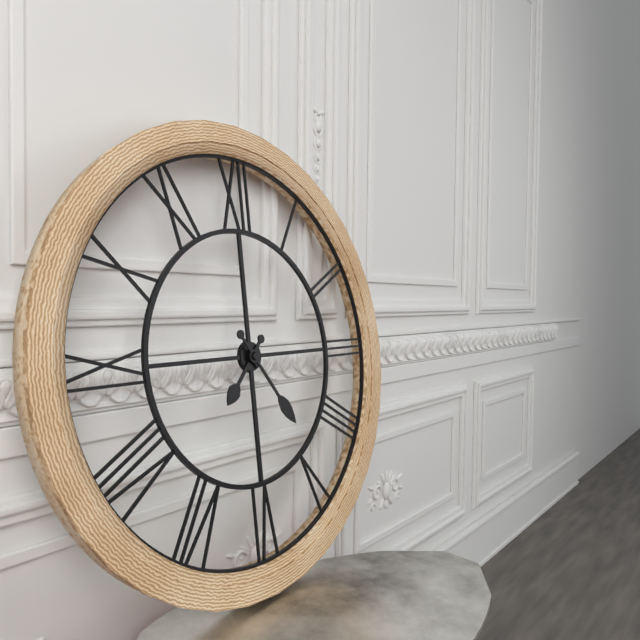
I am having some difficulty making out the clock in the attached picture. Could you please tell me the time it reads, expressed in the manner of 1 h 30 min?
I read 7 h 24 min
